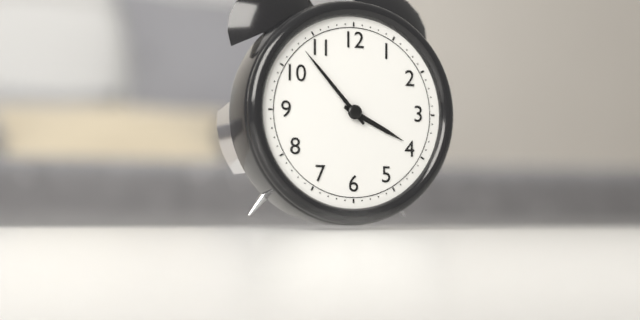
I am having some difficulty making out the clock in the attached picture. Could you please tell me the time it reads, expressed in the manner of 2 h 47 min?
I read 3 h 53 min
